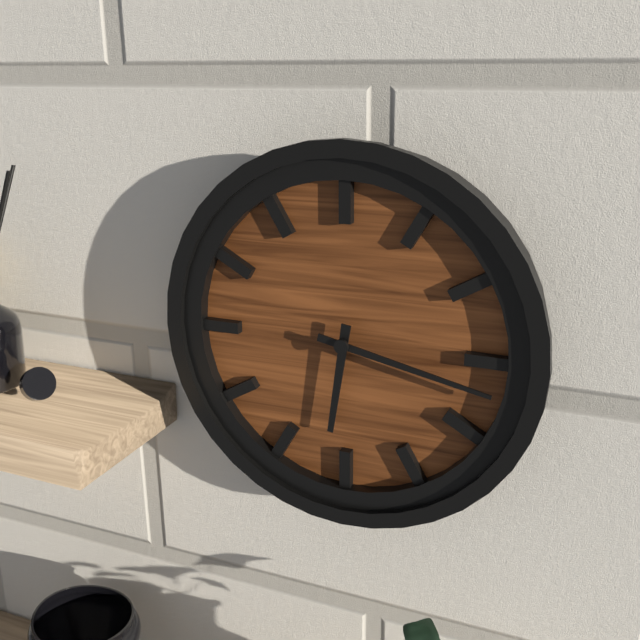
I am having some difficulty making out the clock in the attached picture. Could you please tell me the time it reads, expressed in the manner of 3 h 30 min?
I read 6 h 17 min
